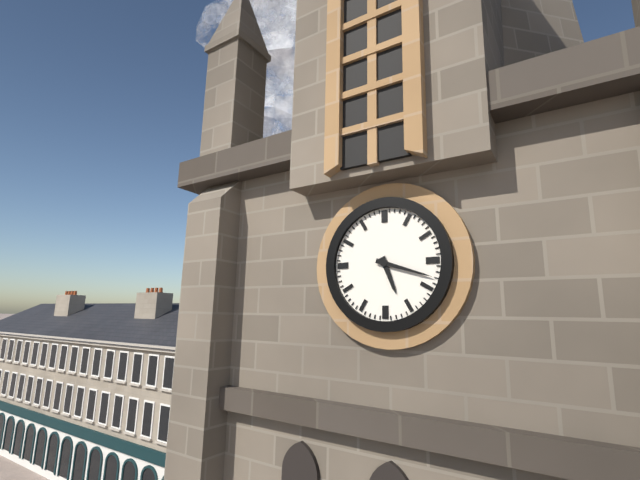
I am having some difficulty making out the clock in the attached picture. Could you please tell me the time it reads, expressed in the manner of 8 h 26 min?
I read 5 h 18 min
